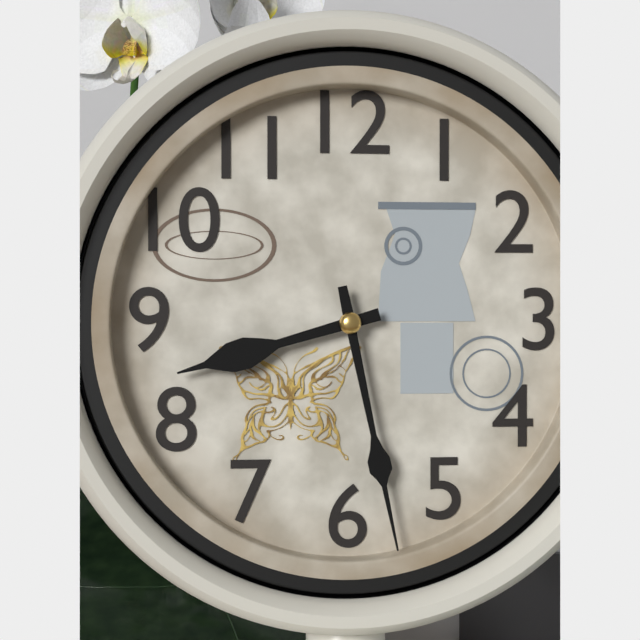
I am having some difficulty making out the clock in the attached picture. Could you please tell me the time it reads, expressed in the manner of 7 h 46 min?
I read 8 h 28 min
